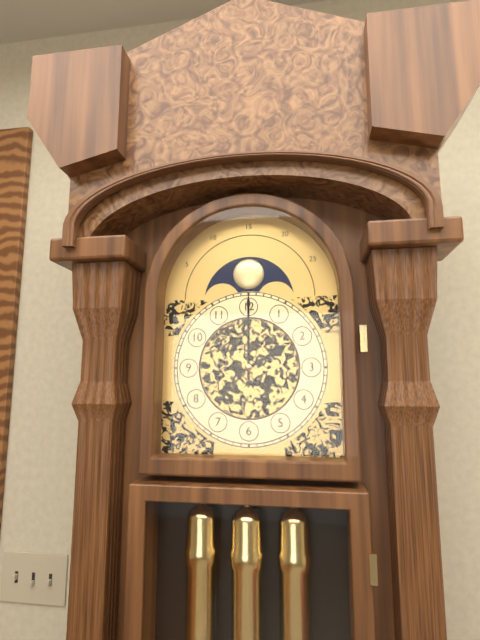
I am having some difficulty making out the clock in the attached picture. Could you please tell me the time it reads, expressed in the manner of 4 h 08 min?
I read 2 h 00 min
